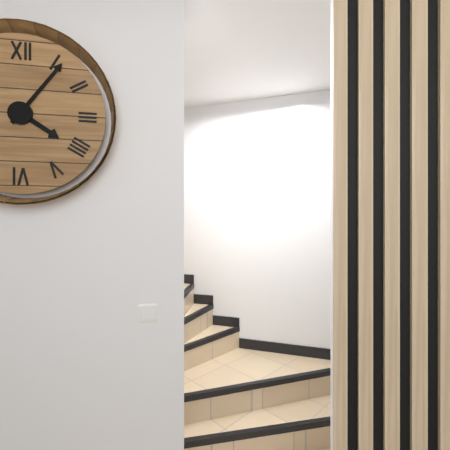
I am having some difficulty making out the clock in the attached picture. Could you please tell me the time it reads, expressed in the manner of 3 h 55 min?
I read 4 h 06 min
